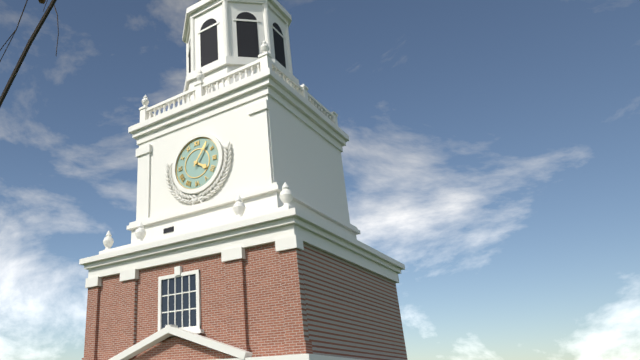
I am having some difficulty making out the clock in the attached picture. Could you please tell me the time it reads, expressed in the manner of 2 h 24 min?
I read 4 h 06 min
